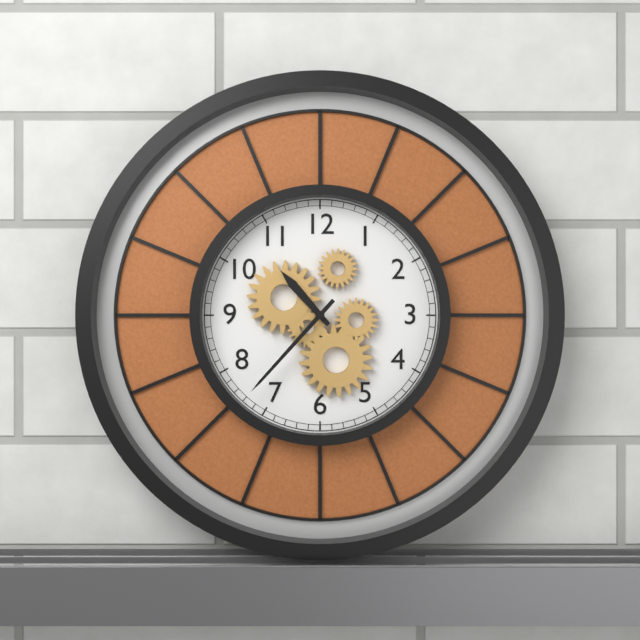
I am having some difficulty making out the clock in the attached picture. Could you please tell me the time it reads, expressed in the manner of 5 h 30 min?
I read 10 h 37 min
